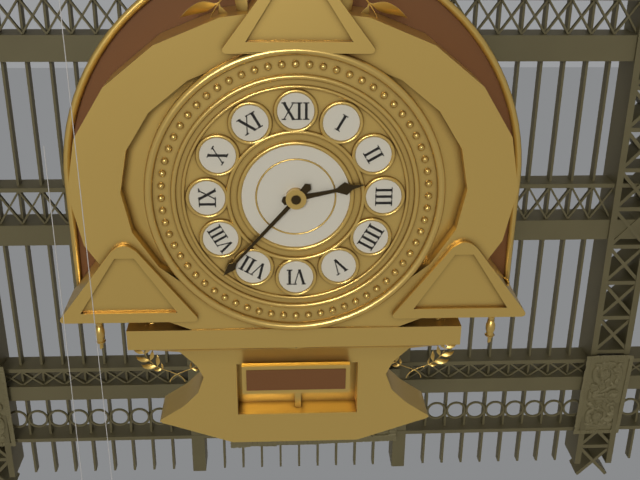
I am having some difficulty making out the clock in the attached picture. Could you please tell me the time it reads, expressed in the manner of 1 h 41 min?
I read 2 h 37 min
